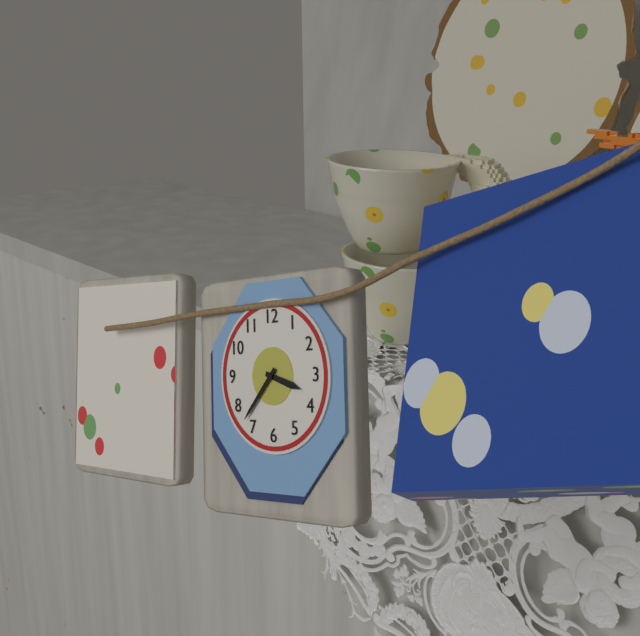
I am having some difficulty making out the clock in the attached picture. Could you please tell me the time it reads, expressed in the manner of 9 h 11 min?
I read 3 h 37 min
